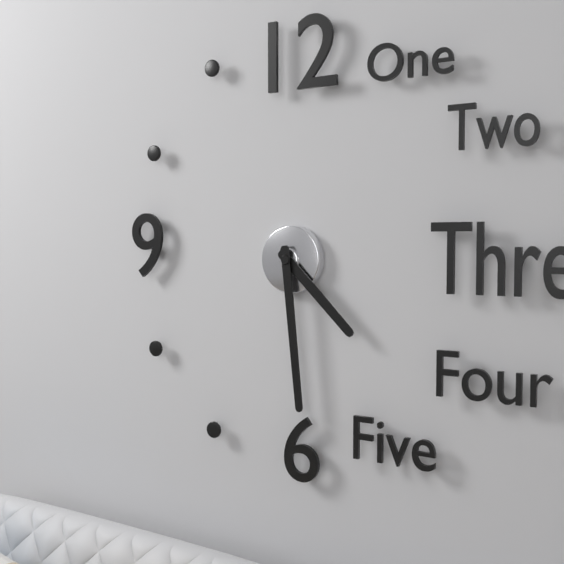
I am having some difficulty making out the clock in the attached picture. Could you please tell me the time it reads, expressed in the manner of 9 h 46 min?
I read 4 h 29 min
